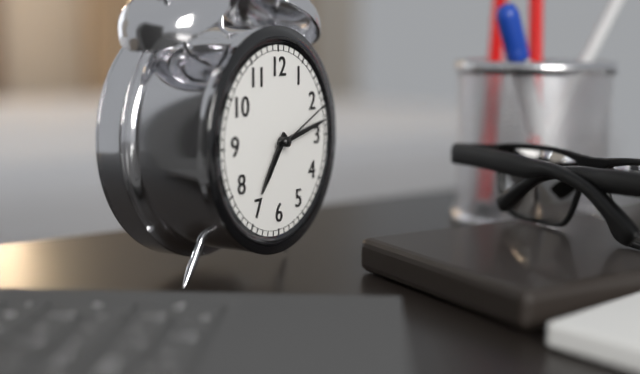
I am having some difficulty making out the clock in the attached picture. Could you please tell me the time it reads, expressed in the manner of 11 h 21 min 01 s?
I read 7 h 13 min 11 s
